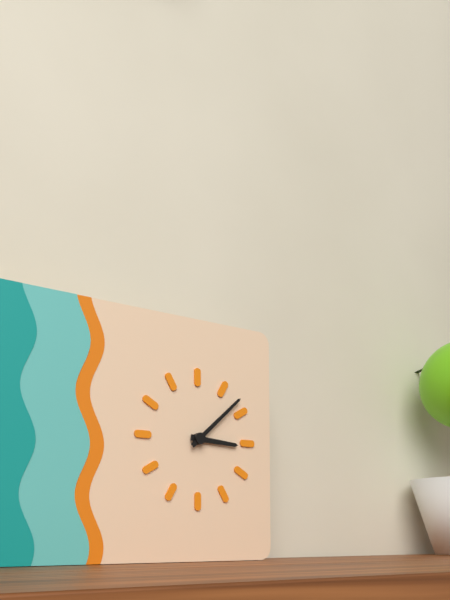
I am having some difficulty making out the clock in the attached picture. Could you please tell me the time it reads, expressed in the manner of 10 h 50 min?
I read 3 h 08 min
